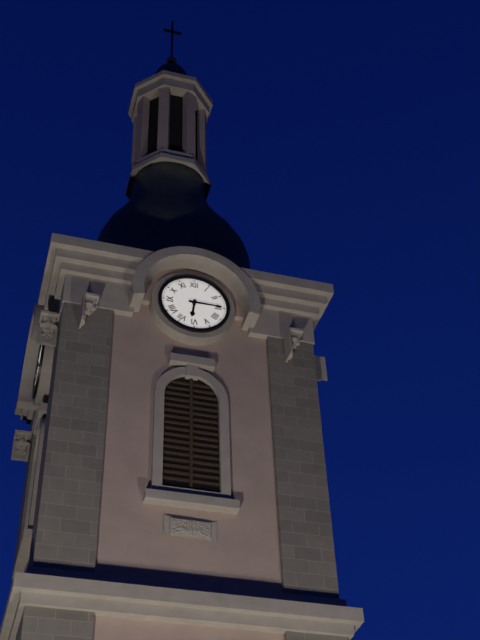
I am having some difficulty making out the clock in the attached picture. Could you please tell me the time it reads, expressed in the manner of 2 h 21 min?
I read 6 h 15 min
